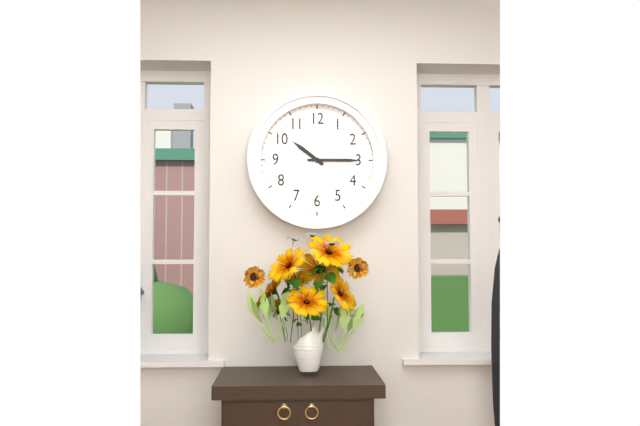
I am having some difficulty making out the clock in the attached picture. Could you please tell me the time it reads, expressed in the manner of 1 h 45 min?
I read 10 h 15 min
